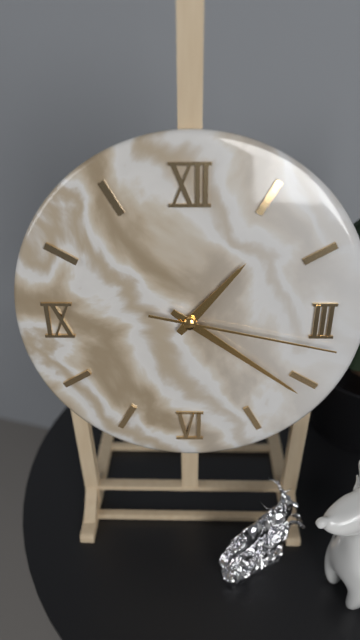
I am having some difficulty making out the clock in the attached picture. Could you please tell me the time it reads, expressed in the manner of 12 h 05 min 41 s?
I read 1 h 21 min 17 s
